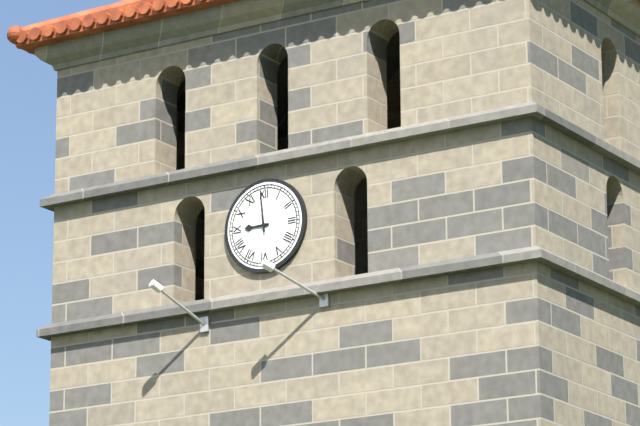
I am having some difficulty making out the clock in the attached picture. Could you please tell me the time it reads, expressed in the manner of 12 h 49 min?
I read 8 h 59 min
